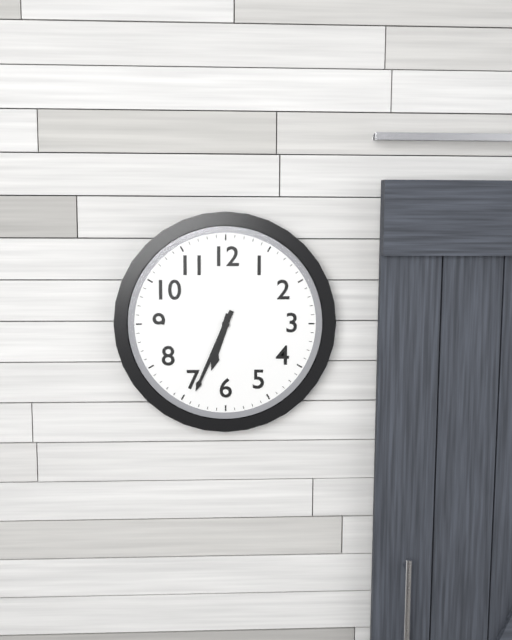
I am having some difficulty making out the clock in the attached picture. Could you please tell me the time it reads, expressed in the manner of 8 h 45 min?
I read 6 h 34 min
